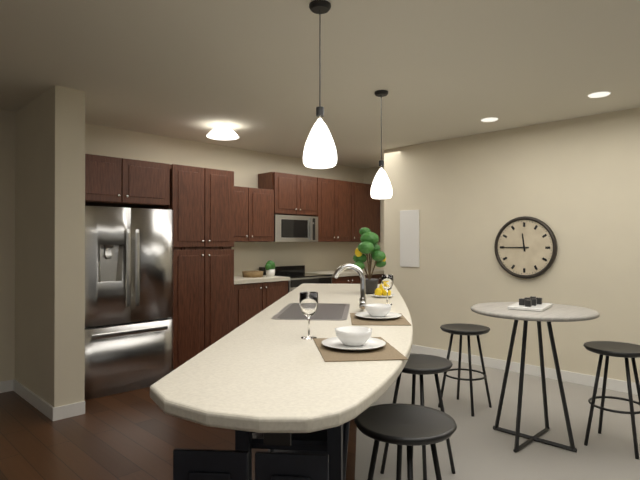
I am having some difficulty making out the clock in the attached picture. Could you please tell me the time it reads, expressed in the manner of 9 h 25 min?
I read 11 h 45 min
